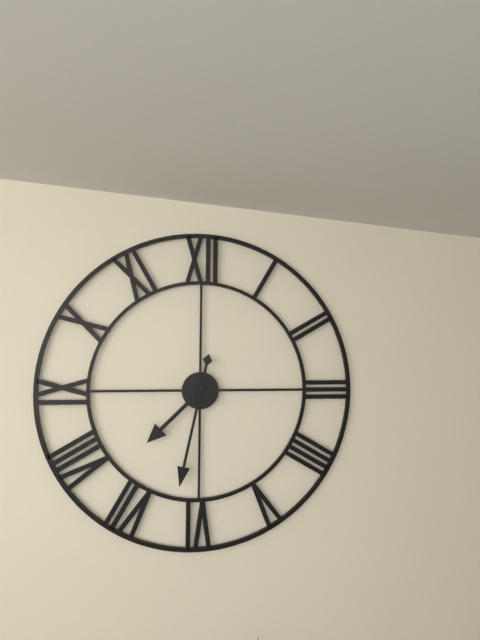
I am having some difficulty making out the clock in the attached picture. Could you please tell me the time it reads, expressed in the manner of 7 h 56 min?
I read 7 h 32 min
